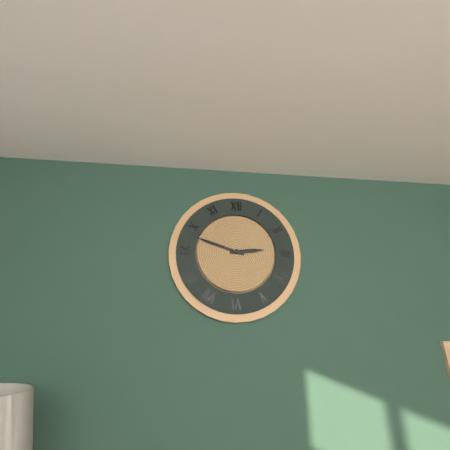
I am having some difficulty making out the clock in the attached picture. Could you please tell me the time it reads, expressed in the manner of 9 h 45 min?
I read 2 h 48 min
